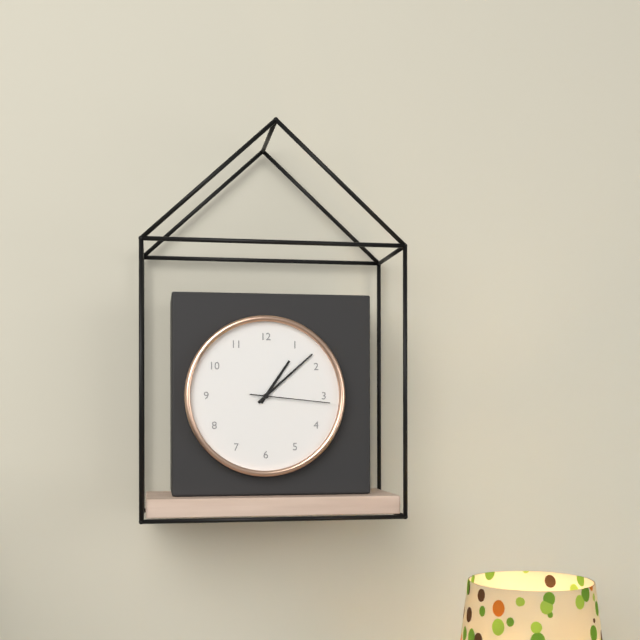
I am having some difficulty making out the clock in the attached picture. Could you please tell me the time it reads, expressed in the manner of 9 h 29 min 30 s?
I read 1 h 08 min 16 s
